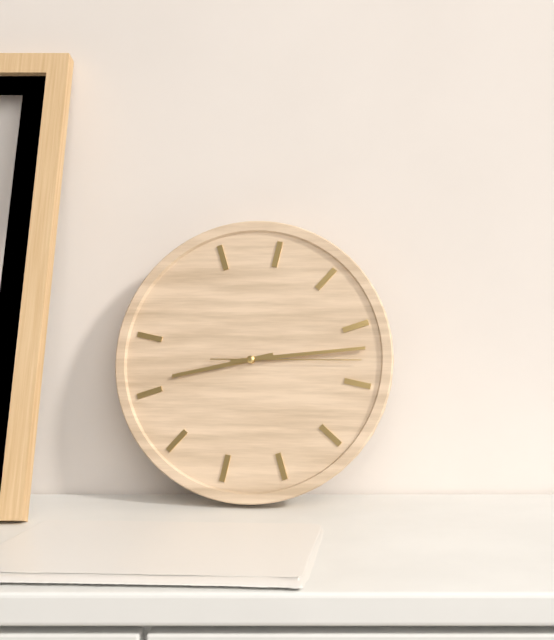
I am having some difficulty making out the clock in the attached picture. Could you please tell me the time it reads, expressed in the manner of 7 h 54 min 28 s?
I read 8 h 12 min 13 s
